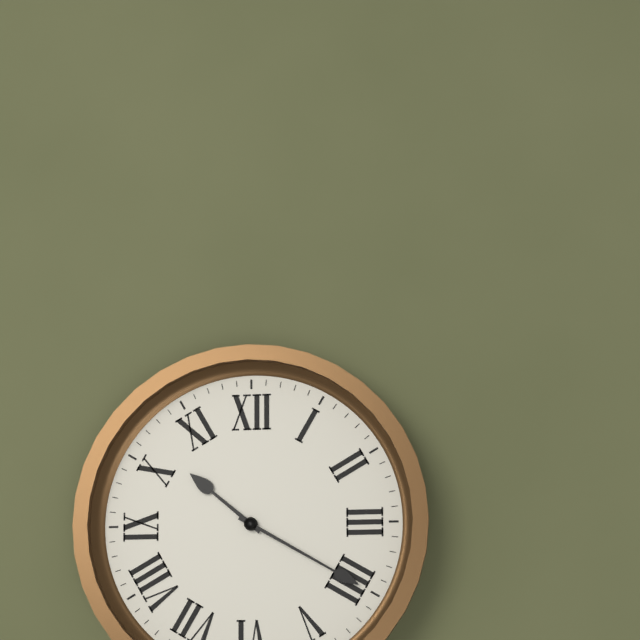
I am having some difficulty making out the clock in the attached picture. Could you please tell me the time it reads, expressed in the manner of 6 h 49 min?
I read 10 h 20 min
